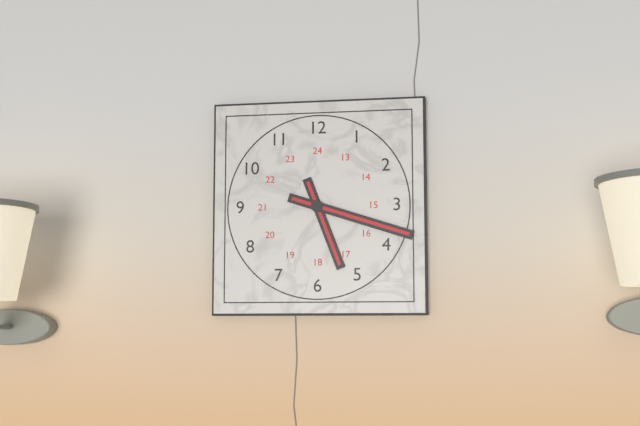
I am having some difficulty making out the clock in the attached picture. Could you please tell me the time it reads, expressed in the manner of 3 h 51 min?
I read 5 h 18 min
